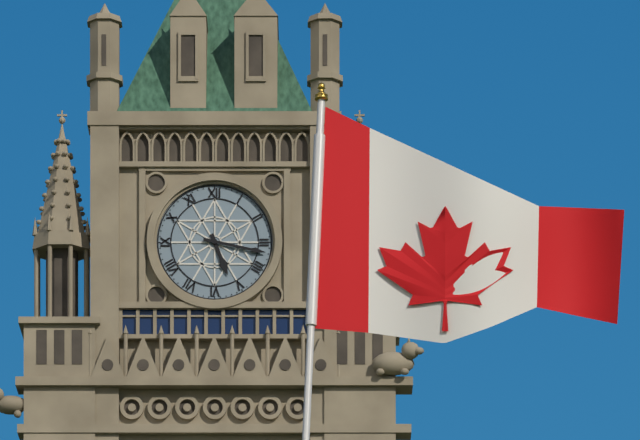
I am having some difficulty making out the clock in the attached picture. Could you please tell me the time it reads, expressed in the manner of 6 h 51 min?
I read 5 h 17 min
